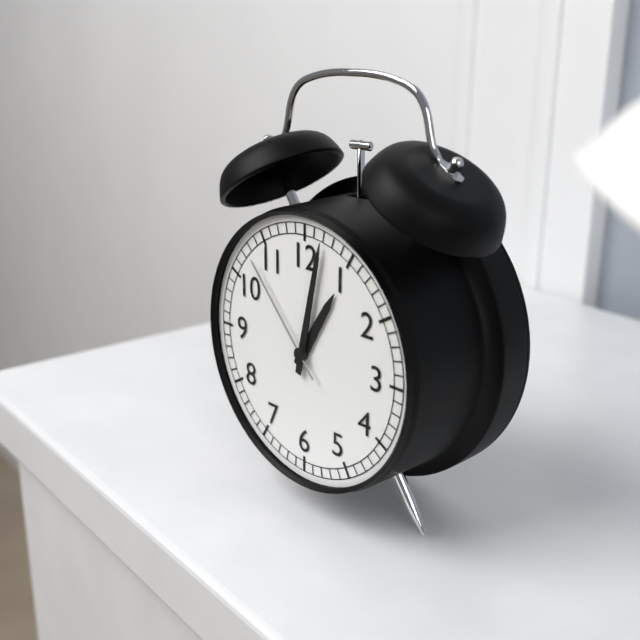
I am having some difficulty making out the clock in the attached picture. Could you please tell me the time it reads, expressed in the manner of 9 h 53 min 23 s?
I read 1 h 02 min 53 s
